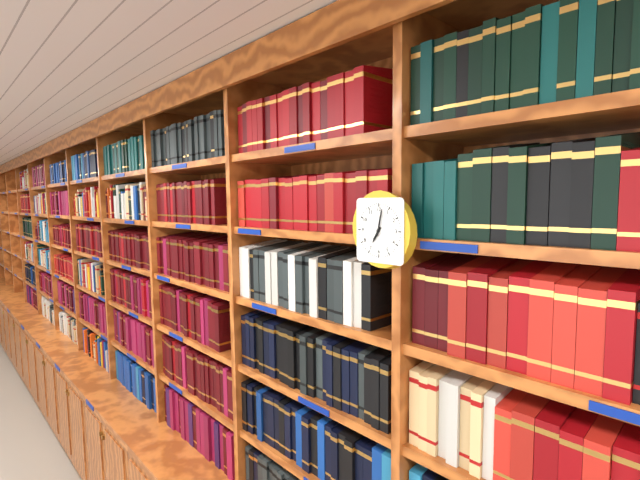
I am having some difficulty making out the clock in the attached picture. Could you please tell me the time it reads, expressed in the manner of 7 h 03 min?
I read 7 h 02 min
